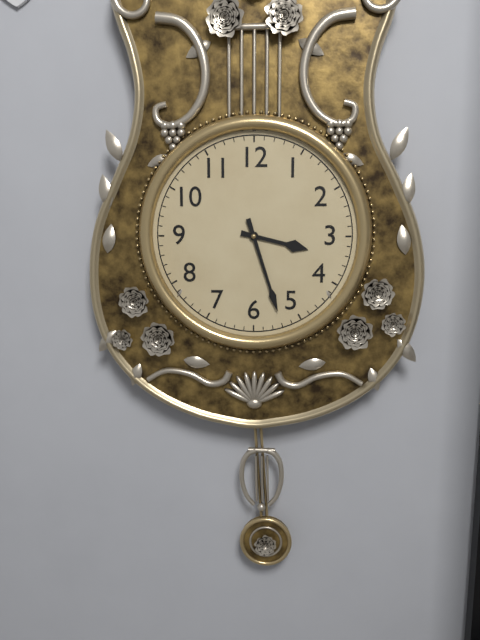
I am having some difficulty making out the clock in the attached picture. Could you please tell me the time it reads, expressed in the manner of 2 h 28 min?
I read 3 h 27 min
